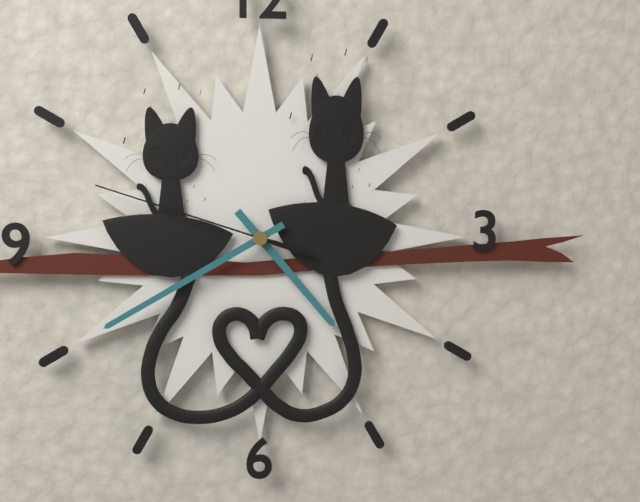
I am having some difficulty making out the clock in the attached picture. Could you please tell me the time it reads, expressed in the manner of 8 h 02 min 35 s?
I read 4 h 40 min 48 s
